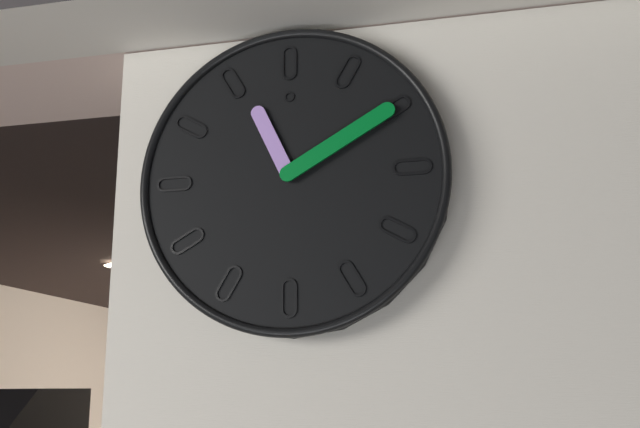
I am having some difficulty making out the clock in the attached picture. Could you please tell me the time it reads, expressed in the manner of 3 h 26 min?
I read 11 h 10 min
